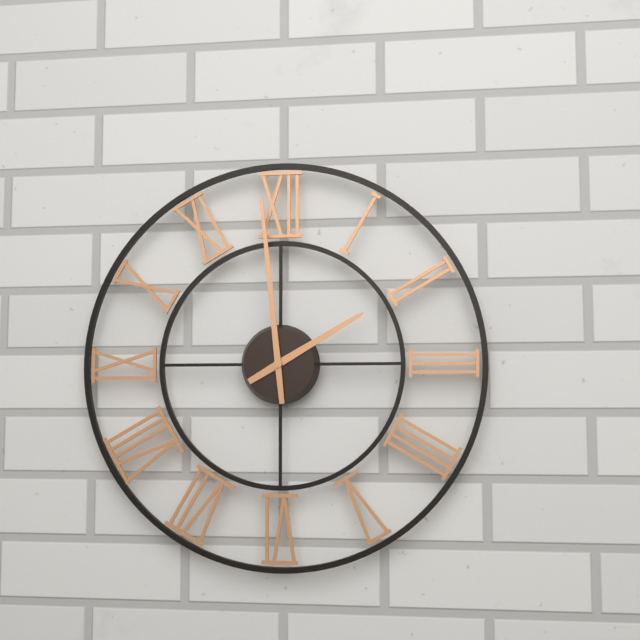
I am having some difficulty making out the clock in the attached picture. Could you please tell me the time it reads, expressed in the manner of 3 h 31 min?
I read 1 h 59 min
